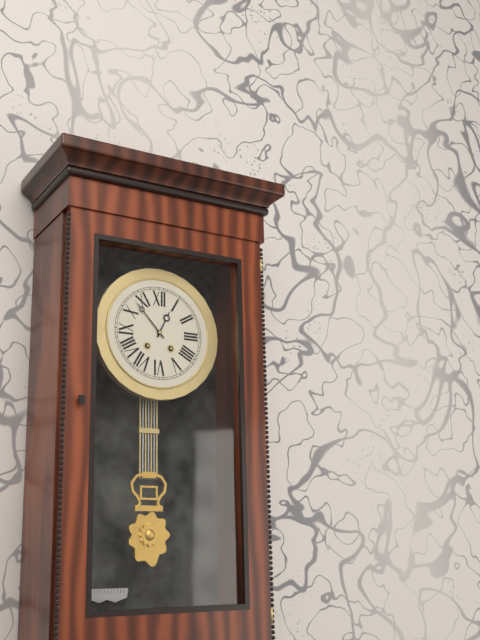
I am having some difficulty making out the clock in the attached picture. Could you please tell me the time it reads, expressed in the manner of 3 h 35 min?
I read 12 h 53 min
